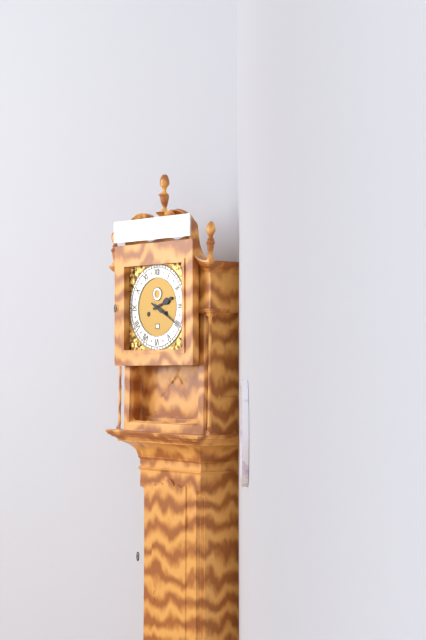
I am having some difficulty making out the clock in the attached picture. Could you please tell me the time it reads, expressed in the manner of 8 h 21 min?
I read 2 h 20 min
